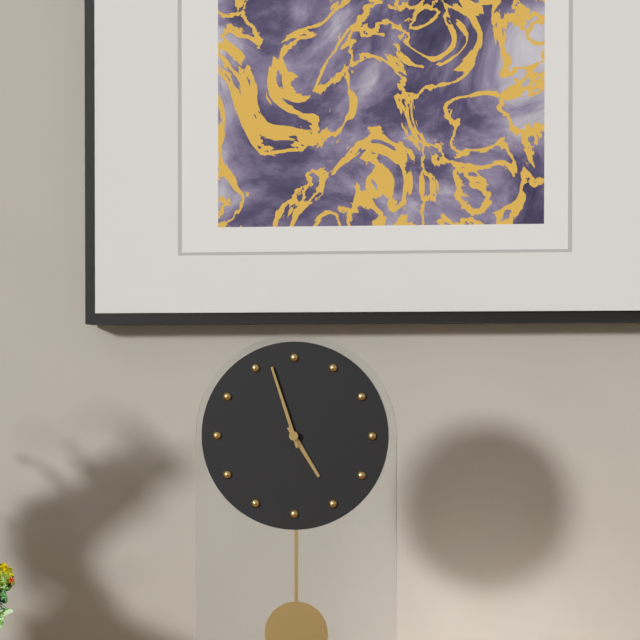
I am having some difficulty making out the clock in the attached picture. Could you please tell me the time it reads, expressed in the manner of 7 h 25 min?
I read 4 h 57 min
